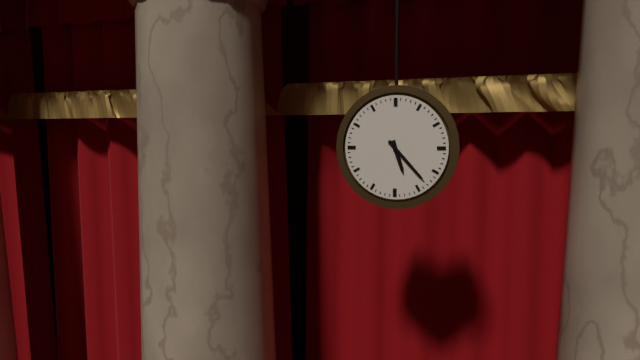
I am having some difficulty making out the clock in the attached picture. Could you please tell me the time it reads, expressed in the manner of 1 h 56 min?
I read 5 h 23 min
